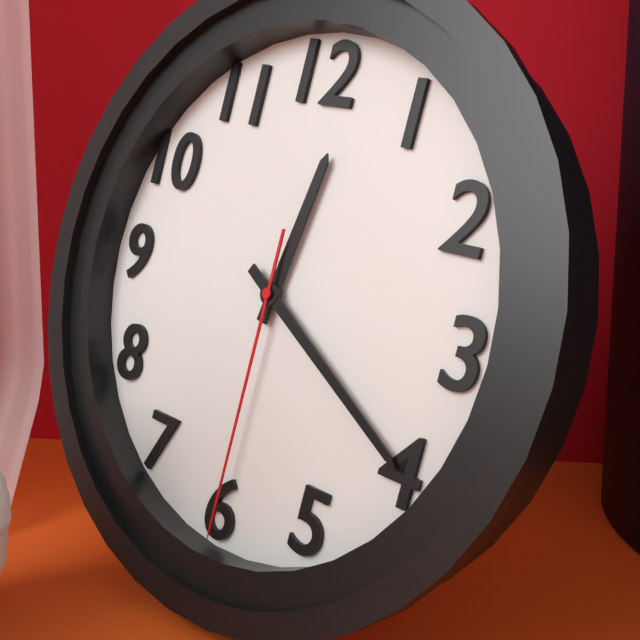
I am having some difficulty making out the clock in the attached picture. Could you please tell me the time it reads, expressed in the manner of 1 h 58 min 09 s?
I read 12 h 20 min 30 s
